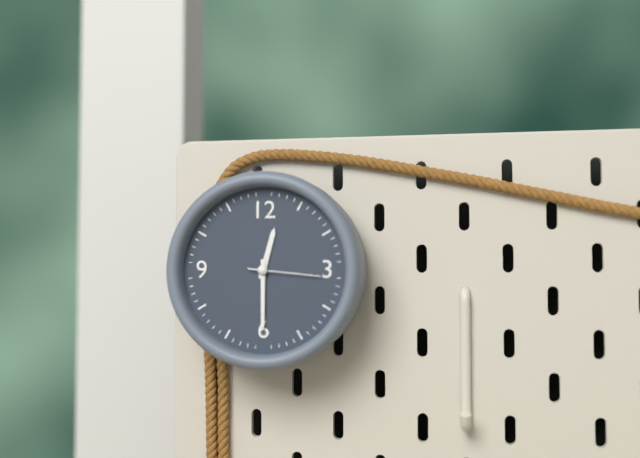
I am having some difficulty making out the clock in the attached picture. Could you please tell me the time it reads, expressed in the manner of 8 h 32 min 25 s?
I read 12 h 30 min 16 s
